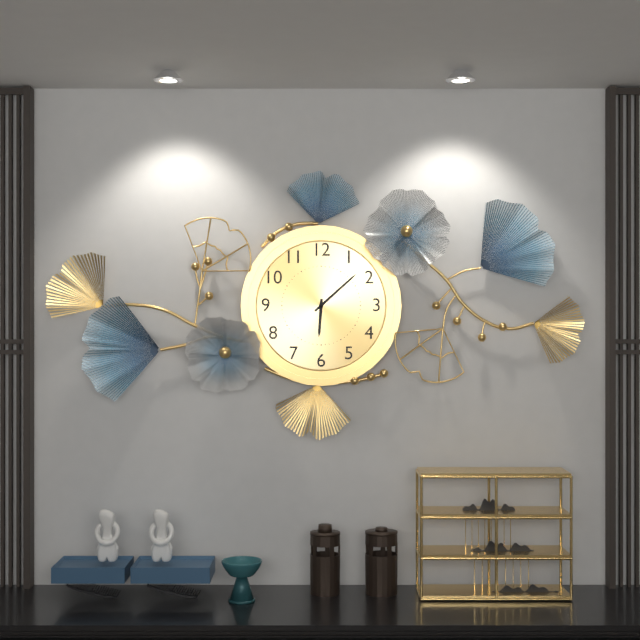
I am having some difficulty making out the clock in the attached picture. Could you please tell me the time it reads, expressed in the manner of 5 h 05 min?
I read 6 h 08 min
